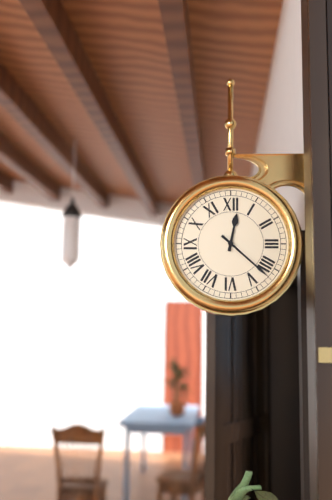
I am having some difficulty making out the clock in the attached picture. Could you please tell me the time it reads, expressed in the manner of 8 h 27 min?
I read 12 h 22 min
